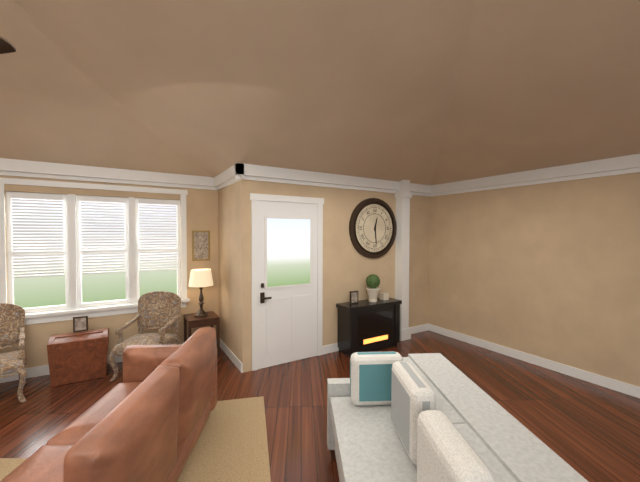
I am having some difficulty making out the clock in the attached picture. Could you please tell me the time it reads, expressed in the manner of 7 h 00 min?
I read 12 h 29 min
